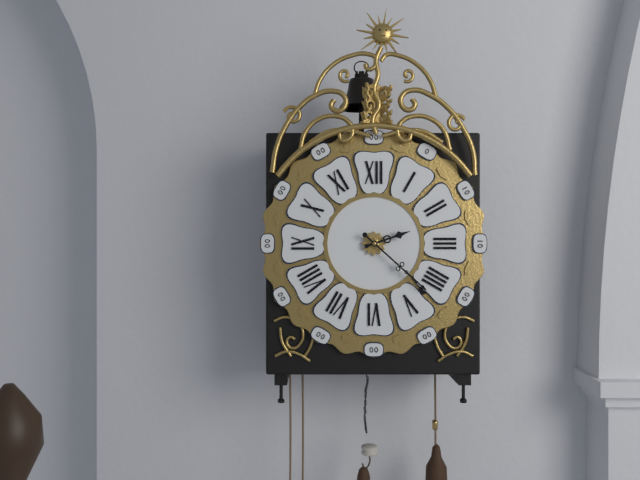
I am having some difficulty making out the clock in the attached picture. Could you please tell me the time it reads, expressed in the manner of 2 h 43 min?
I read 2 h 22 min
